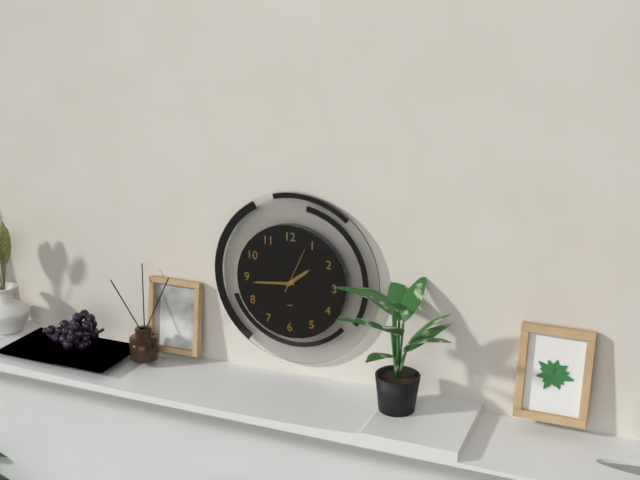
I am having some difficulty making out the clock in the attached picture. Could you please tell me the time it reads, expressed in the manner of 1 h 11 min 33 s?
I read 1 h 44 min 04 s
